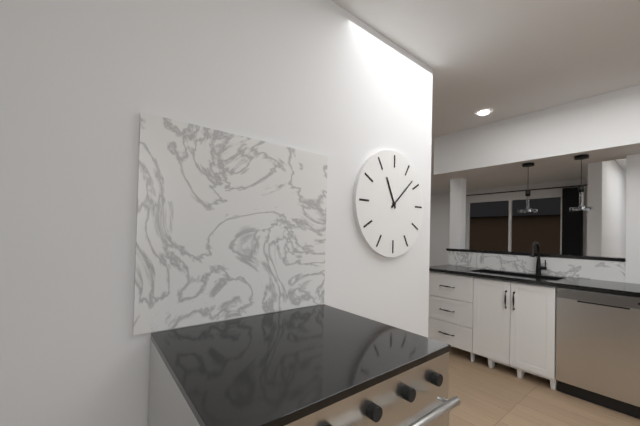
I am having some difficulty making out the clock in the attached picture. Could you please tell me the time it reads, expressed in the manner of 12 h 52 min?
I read 11 h 08 min
